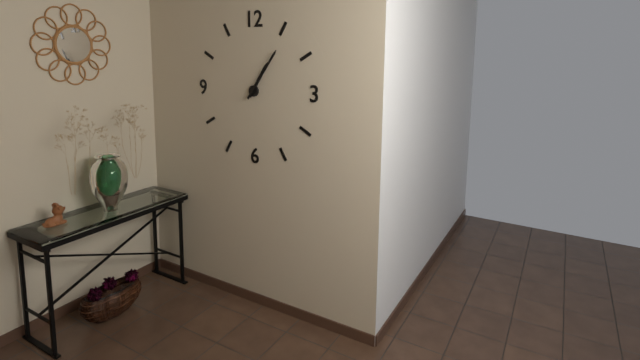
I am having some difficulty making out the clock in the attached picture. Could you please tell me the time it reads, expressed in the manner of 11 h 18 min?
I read 1 h 06 min
